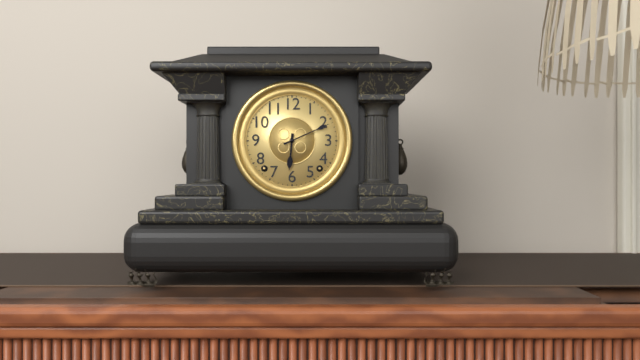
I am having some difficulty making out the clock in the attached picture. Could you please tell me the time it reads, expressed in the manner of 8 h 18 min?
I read 6 h 11 min
